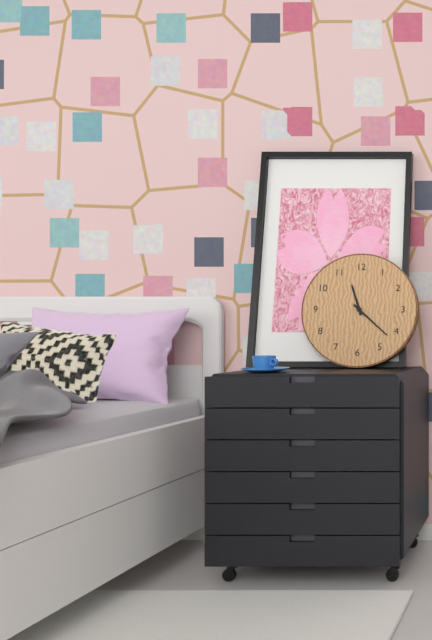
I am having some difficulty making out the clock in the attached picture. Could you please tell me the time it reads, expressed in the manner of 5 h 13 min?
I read 11 h 22 min
